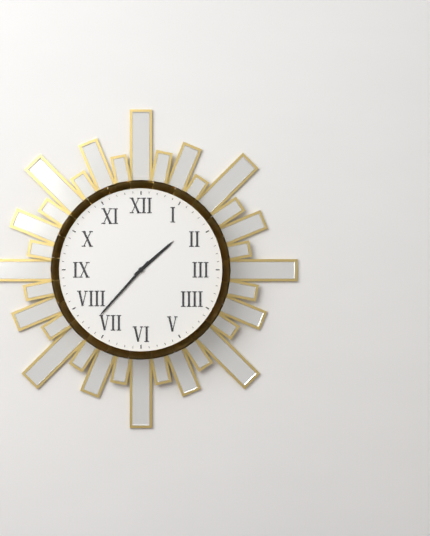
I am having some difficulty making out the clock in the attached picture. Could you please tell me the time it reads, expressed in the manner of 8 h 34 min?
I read 1 h 37 min
